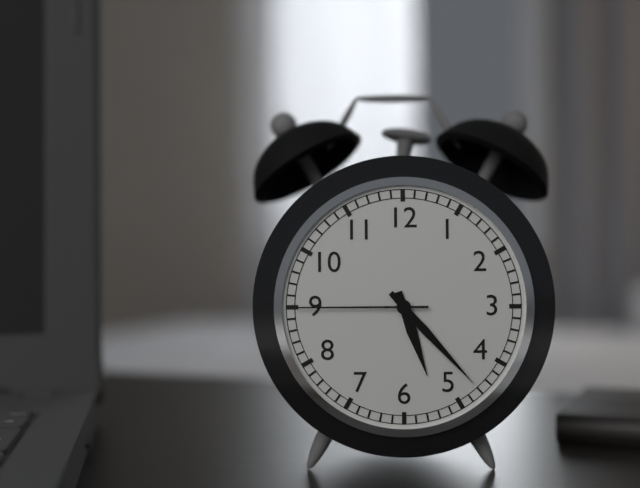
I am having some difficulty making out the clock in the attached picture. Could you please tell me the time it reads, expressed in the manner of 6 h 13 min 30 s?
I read 5 h 23 min 45 s
